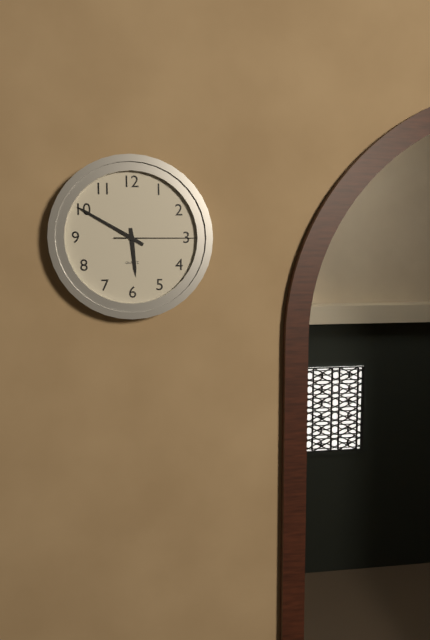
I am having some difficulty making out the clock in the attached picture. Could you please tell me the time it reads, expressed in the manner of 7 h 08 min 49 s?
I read 5 h 50 min 15 s
